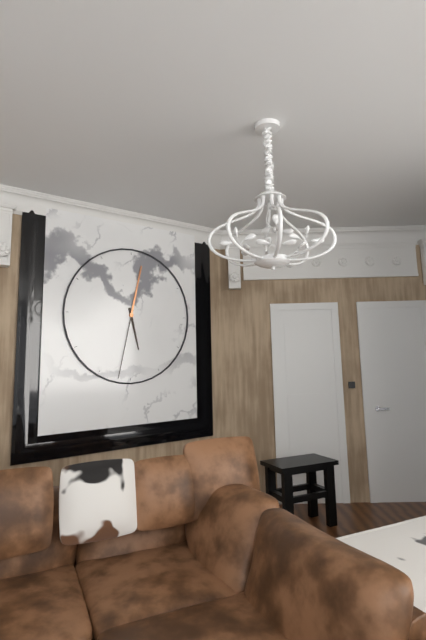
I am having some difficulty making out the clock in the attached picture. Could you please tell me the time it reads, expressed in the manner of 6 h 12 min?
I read 5 h 32 min
